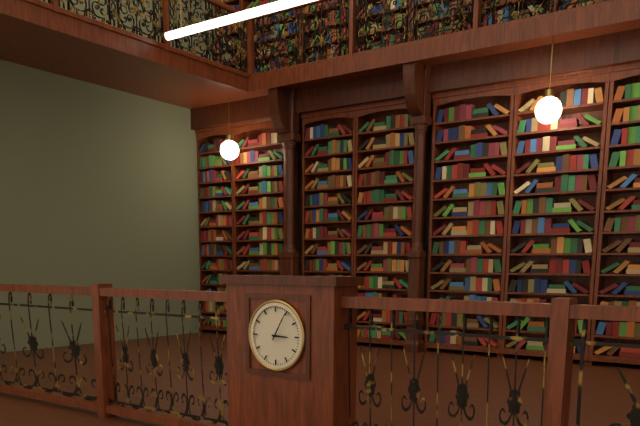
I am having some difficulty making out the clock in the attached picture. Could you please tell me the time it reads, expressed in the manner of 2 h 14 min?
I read 3 h 05 min
